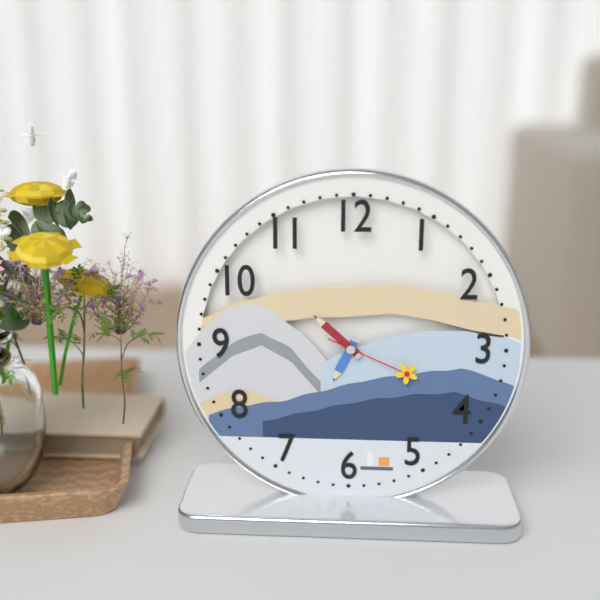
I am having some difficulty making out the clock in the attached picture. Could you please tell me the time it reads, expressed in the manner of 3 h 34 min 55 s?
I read 6 h 52 min 19 s
